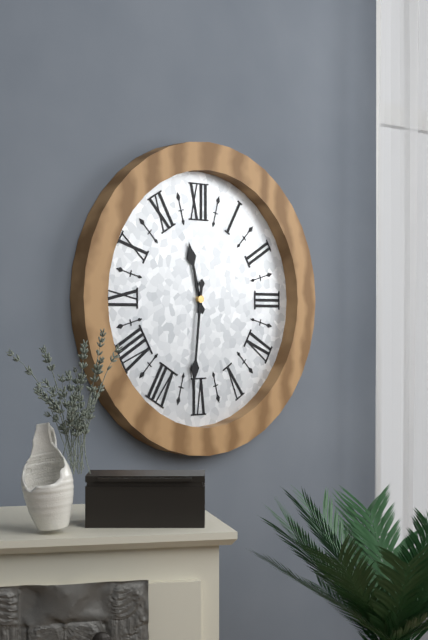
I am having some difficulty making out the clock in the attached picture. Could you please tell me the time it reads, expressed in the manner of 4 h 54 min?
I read 11 h 31 min
